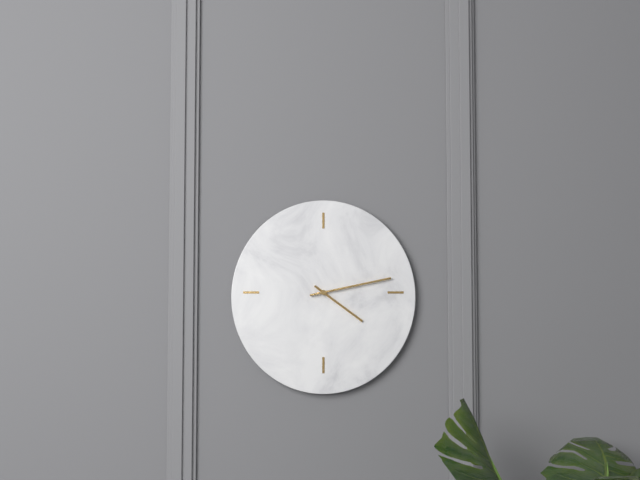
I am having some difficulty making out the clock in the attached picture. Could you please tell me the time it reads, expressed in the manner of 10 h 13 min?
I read 4 h 13 min
